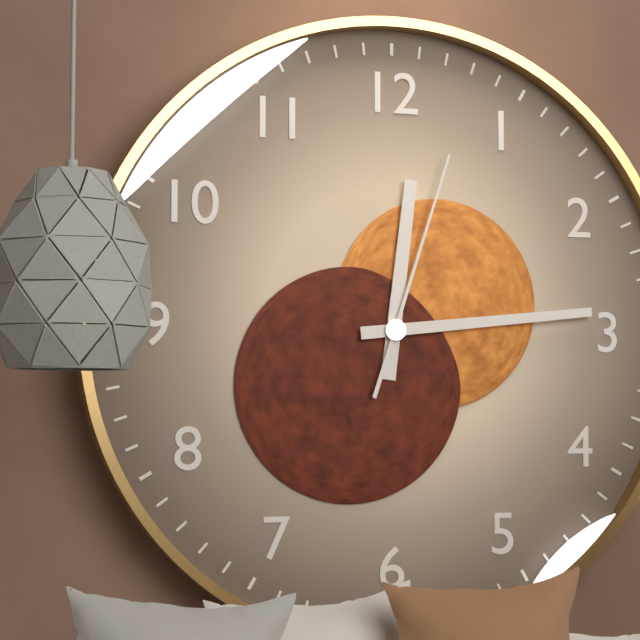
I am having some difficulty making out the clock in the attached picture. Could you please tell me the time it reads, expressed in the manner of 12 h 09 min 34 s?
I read 12 h 14 min 03 s
